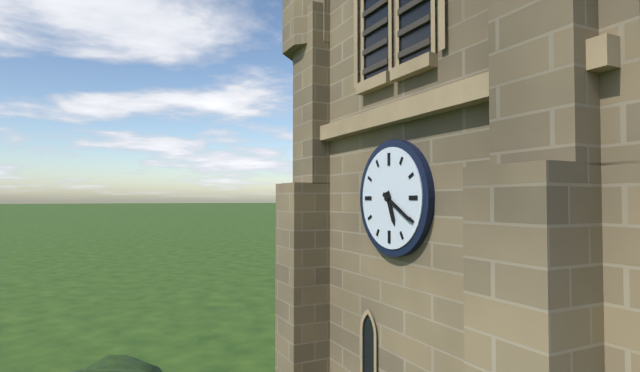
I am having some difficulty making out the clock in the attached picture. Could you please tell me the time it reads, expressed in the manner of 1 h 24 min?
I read 5 h 20 min
